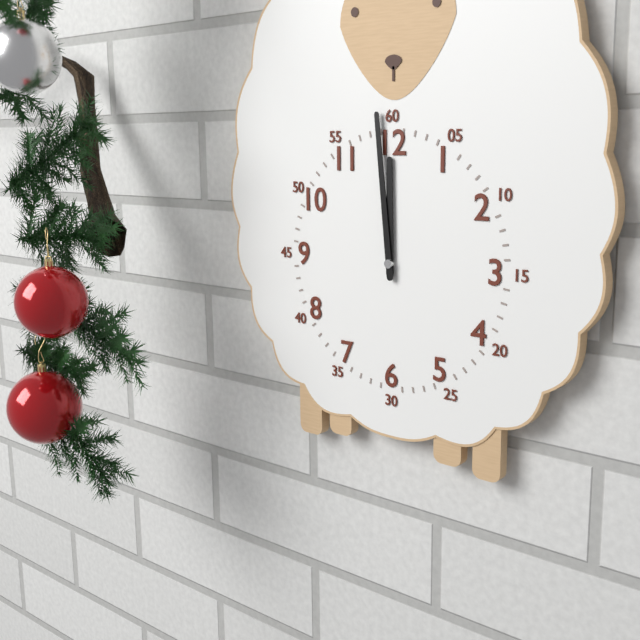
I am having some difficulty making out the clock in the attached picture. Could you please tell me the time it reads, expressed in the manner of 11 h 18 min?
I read 11 h 59 min
